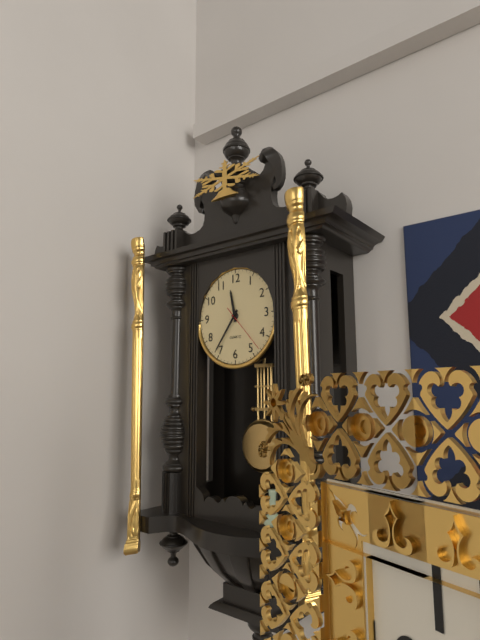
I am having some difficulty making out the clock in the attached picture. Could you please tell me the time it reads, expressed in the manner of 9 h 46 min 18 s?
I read 11 h 36 min 23 s
